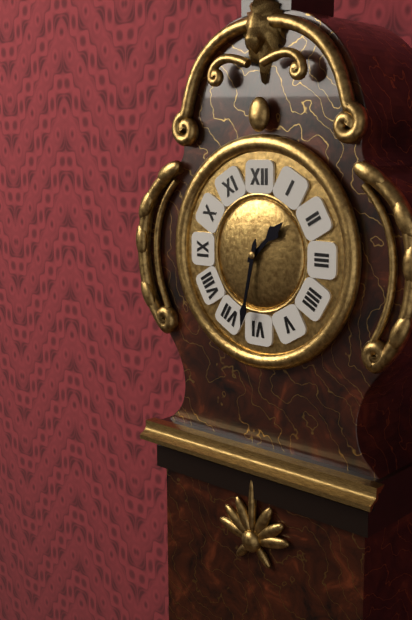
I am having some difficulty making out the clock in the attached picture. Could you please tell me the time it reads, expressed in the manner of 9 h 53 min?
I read 1 h 32 min
